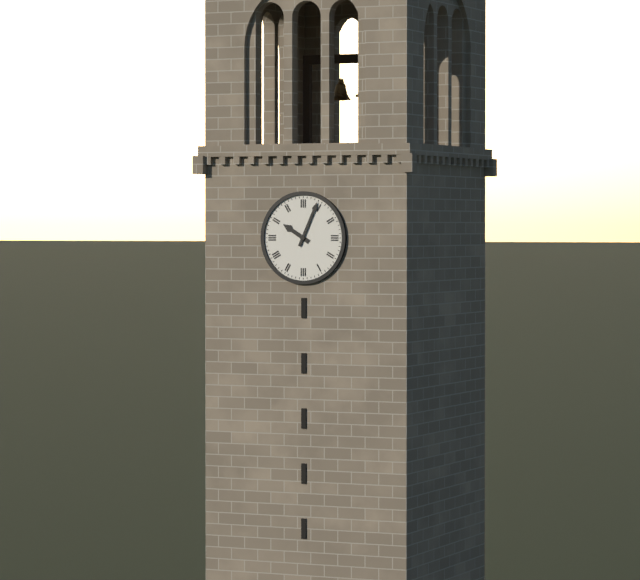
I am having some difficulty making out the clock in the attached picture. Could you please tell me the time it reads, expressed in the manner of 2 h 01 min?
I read 10 h 04 min
